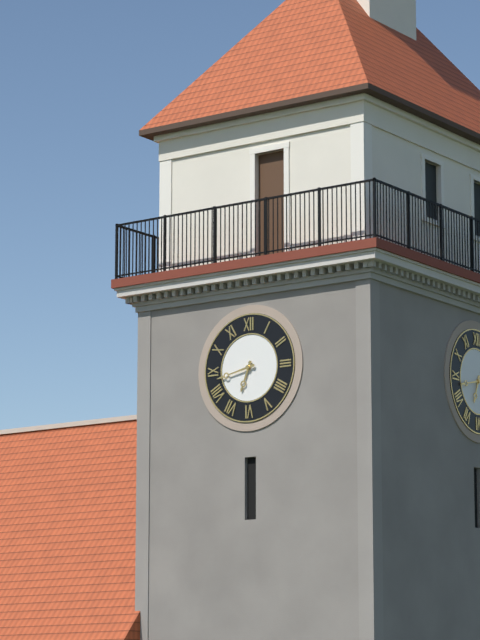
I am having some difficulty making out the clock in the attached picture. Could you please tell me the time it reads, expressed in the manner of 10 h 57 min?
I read 6 h 43 min
